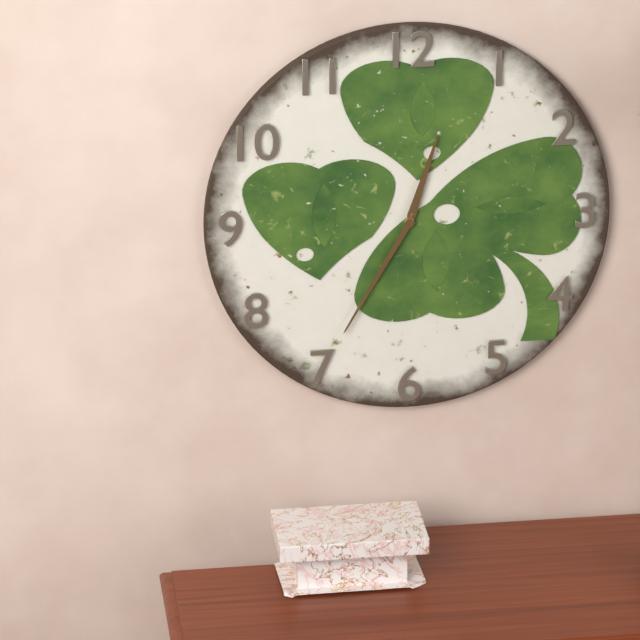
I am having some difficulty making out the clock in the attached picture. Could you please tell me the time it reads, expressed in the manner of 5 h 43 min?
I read 12 h 35 min
